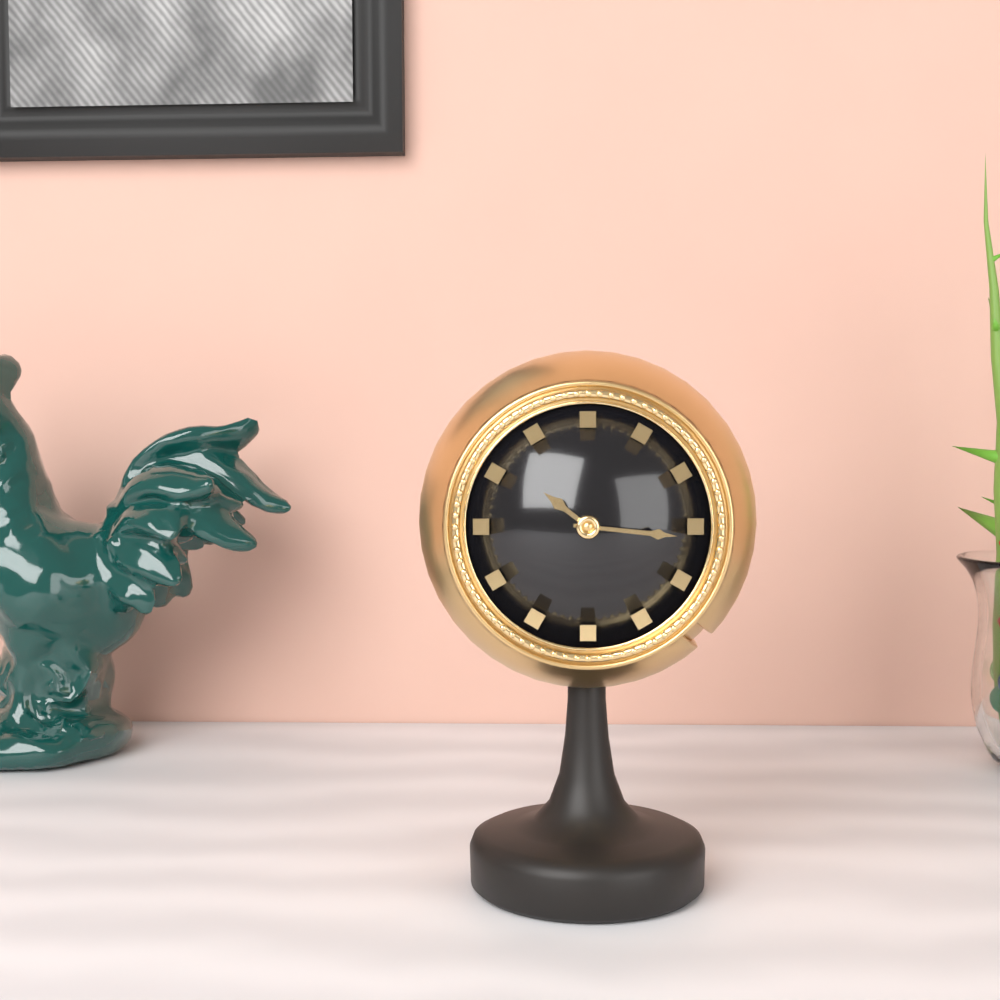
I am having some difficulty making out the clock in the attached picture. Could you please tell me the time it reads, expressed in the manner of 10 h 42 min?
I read 10 h 16 min
